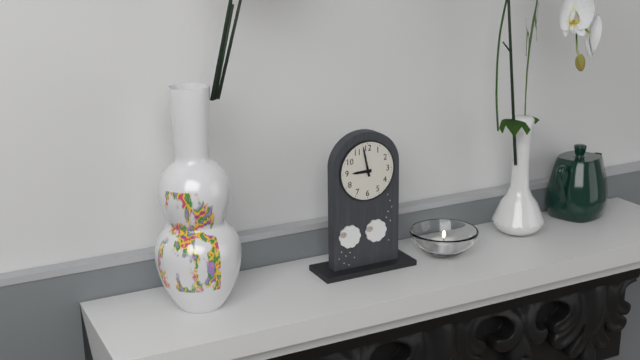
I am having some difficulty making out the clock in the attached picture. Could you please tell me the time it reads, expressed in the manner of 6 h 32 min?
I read 8 h 58 min
